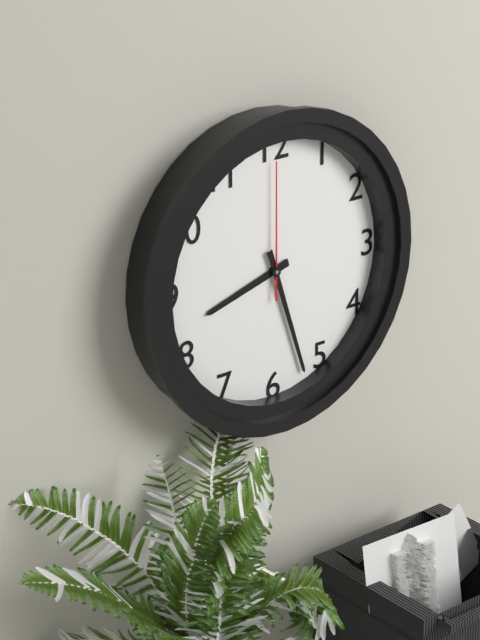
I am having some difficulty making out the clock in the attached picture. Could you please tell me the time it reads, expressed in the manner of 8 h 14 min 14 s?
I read 8 h 27 min 00 s
